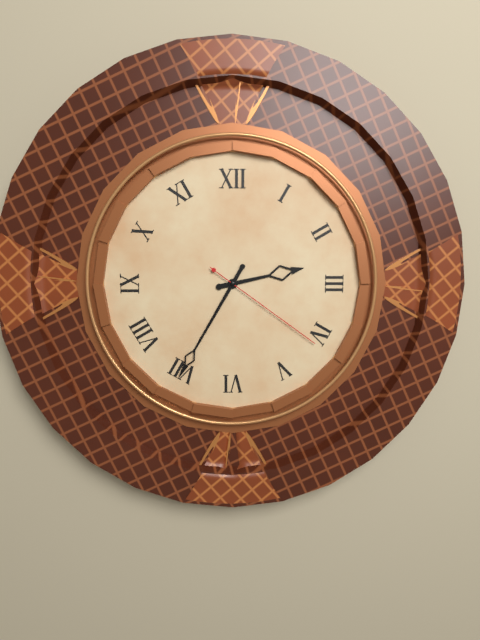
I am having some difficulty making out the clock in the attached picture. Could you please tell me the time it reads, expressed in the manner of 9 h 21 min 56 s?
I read 2 h 35 min 21 s
